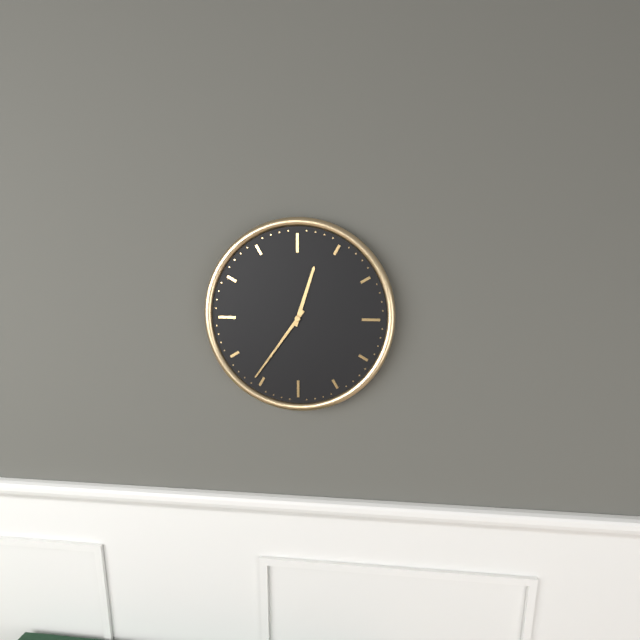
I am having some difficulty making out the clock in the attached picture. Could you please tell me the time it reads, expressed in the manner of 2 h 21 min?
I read 12 h 36 min
